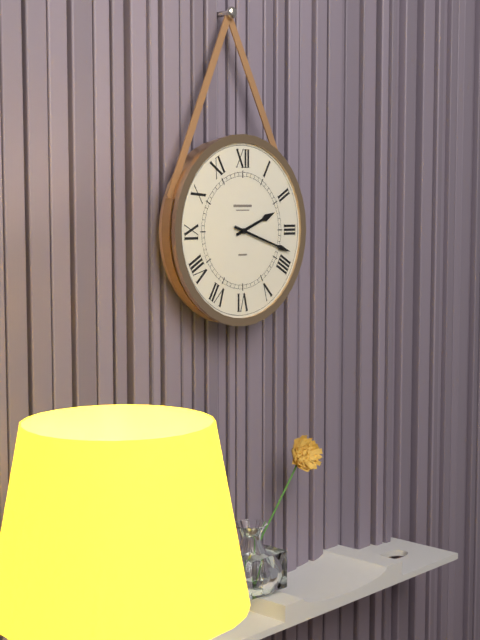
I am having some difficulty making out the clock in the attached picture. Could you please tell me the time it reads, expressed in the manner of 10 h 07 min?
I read 2 h 18 min
